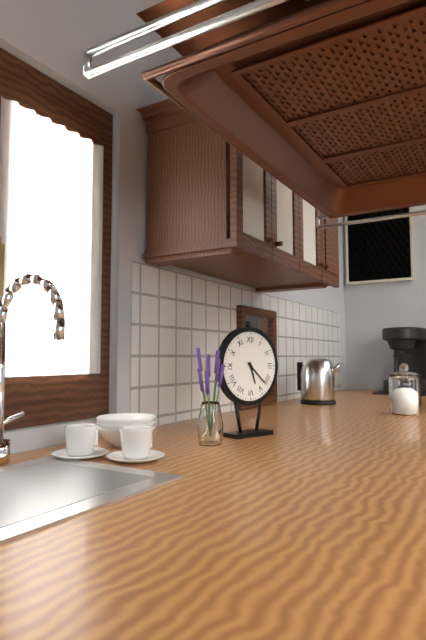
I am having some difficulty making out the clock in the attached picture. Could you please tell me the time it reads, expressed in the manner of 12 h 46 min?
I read 5 h 22 min
